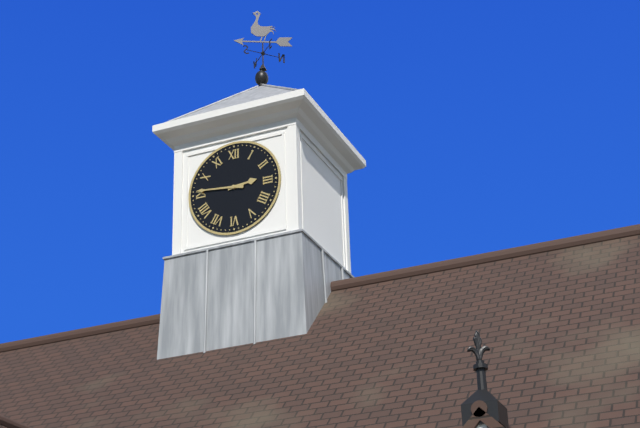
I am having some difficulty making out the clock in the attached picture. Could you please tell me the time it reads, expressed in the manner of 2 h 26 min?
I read 2 h 46 min
